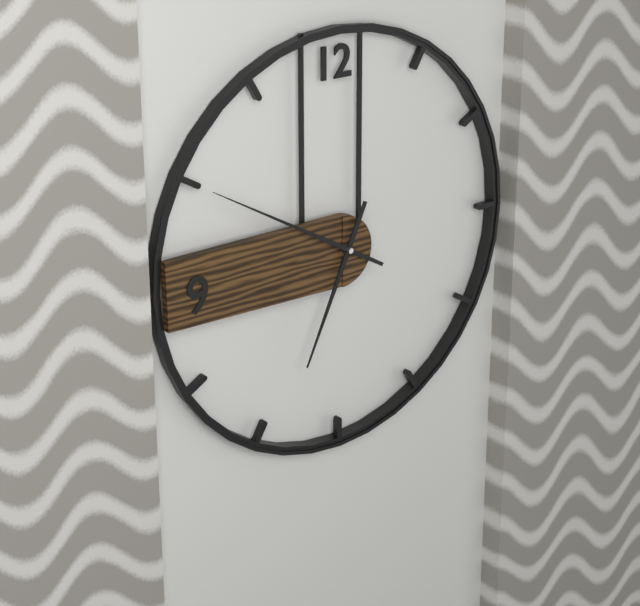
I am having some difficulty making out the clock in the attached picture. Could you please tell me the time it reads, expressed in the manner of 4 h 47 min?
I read 6 h 50 min
